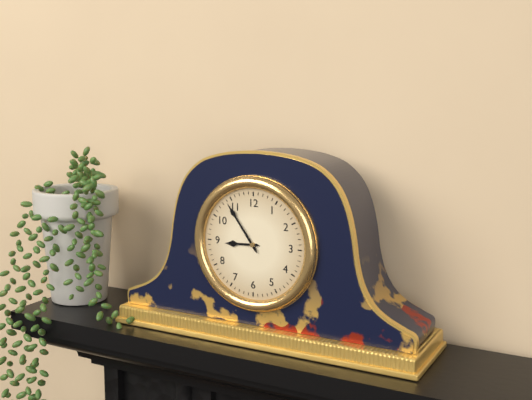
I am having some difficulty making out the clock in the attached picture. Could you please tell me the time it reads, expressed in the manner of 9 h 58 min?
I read 8 h 54 min
